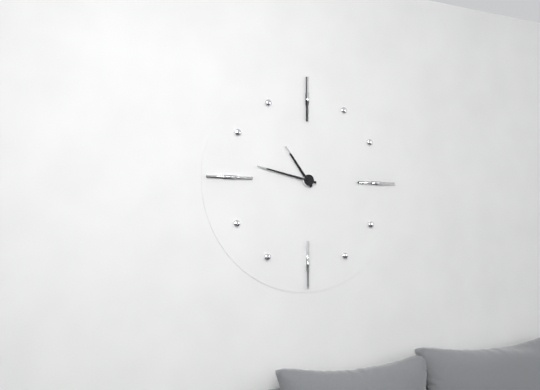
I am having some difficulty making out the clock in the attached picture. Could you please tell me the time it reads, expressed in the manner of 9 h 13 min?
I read 10 h 47 min
